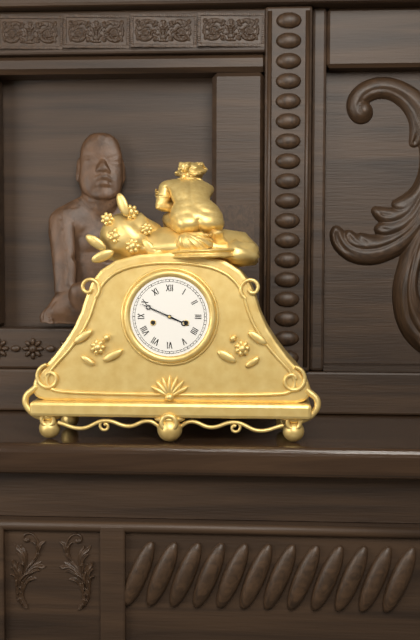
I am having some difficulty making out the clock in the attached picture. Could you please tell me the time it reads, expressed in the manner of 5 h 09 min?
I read 3 h 49 min
